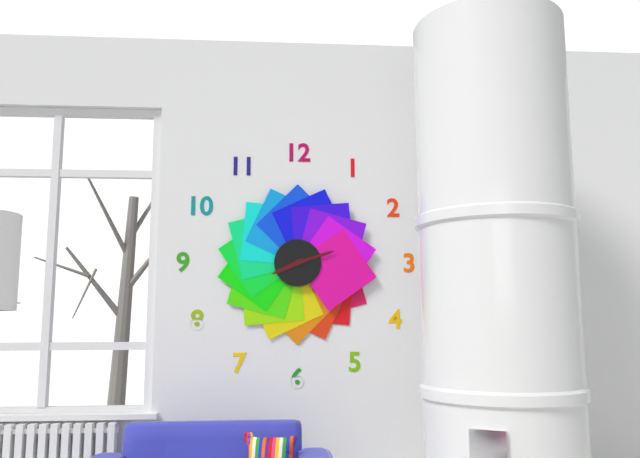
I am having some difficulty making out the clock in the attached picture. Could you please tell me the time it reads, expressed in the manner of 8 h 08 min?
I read 8 h 12 min
